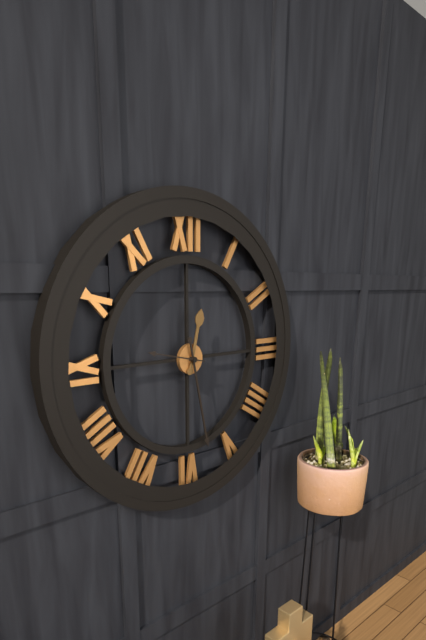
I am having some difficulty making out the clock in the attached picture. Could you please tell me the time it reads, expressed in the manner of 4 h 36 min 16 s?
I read 12 h 28 min 47 s
